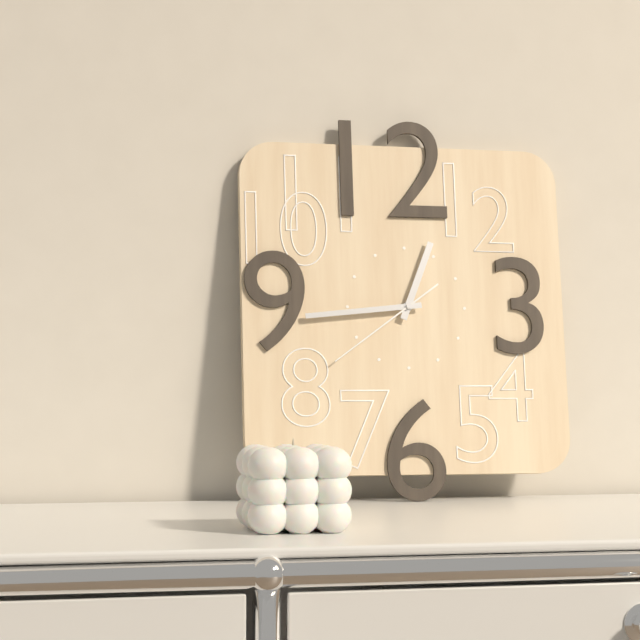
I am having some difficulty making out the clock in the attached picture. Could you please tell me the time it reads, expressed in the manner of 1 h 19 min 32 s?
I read 12 h 44 min 39 s
